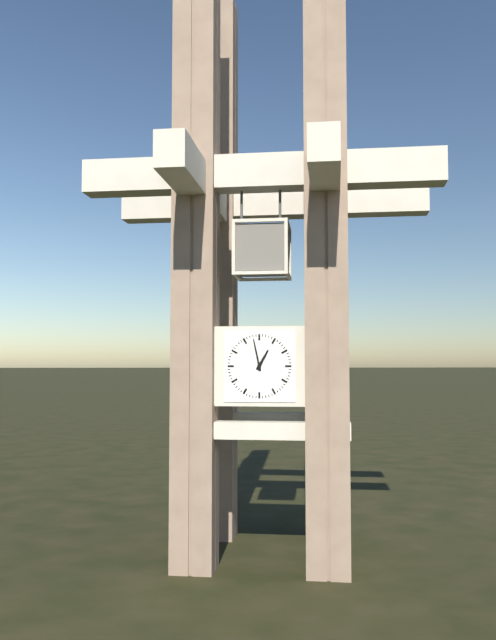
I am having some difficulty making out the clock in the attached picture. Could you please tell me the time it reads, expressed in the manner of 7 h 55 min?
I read 12 h 58 min
